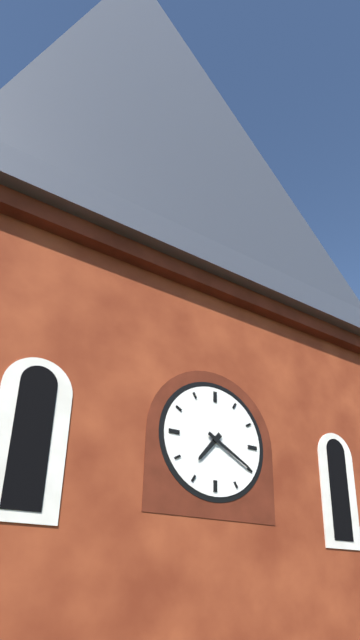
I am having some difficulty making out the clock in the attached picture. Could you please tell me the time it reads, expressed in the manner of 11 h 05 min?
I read 7 h 20 min
